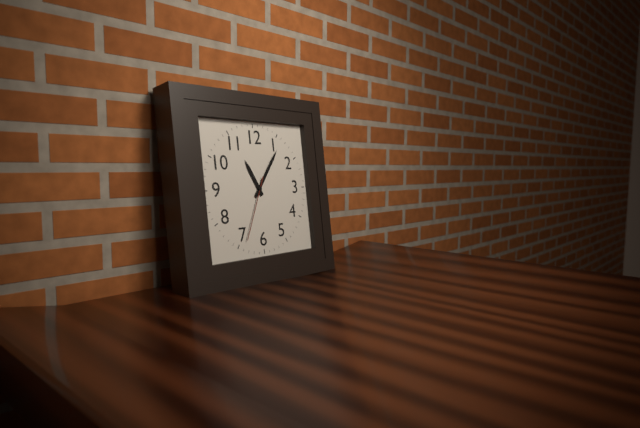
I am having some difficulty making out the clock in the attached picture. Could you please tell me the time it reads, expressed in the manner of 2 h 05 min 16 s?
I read 11 h 06 min 34 s
